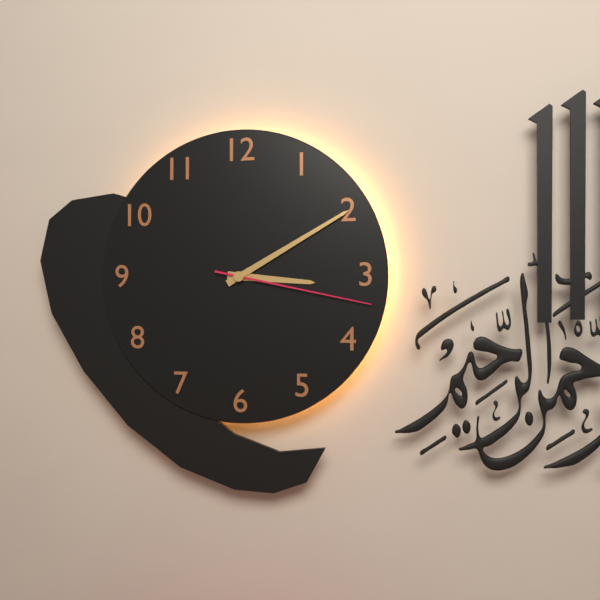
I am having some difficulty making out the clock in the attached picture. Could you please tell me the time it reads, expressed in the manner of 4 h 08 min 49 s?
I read 3 h 10 min 17 s
